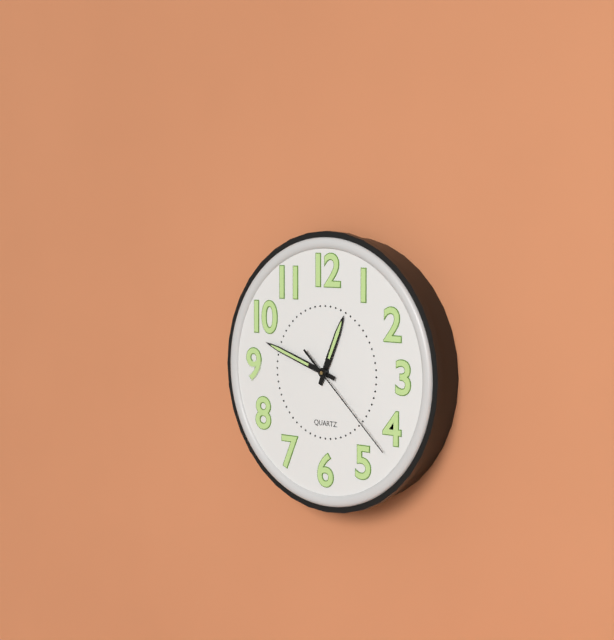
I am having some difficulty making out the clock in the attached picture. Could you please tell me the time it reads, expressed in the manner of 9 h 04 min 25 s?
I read 12 h 48 min 22 s
